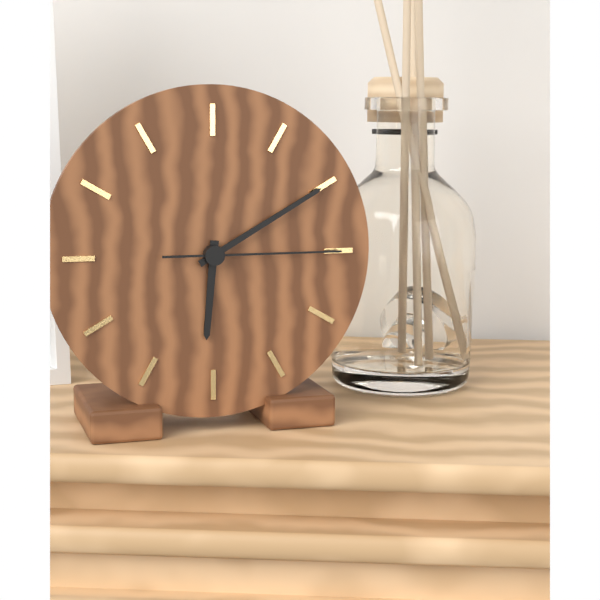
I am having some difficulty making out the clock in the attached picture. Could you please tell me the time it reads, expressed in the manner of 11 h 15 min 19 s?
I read 6 h 10 min 15 s
